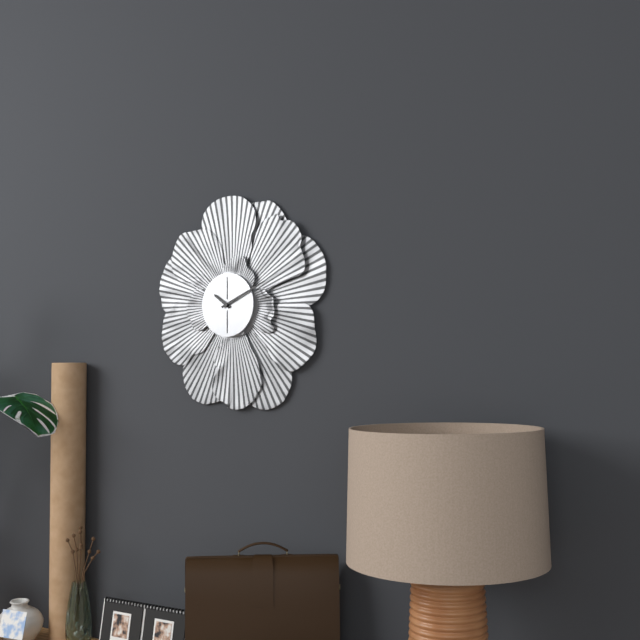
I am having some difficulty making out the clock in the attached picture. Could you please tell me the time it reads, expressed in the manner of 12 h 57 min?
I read 10 h 11 min
